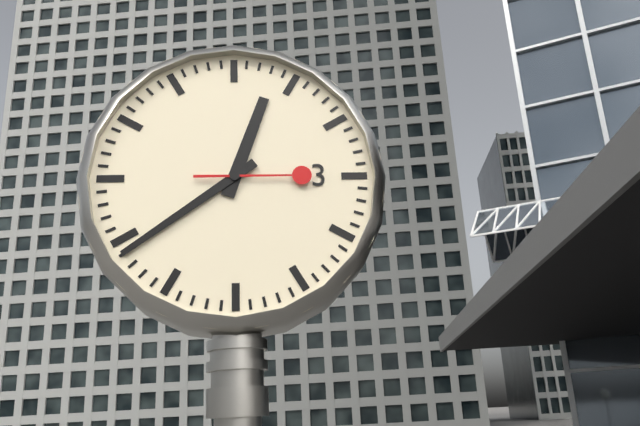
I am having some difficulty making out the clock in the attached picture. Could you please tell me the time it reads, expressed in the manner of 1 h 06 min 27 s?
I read 12 h 39 min 15 s
